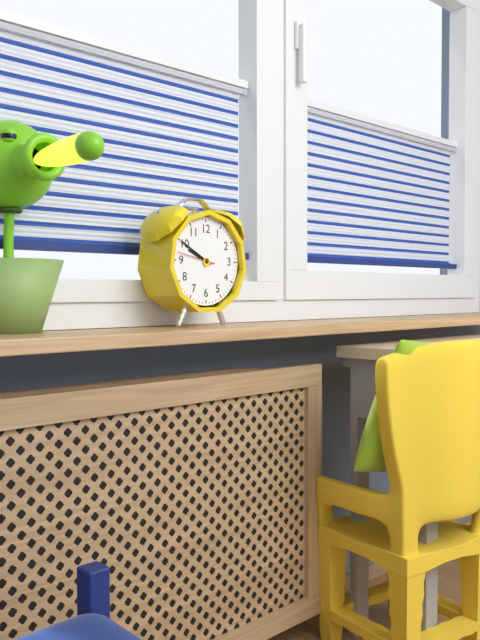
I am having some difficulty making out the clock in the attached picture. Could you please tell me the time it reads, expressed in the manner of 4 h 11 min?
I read 9 h 50 min
